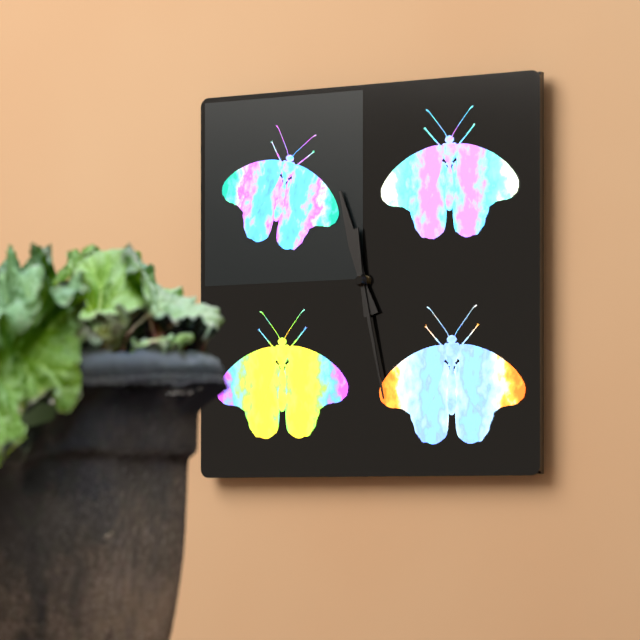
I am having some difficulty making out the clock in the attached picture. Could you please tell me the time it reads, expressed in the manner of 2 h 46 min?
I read 11 h 28 min
